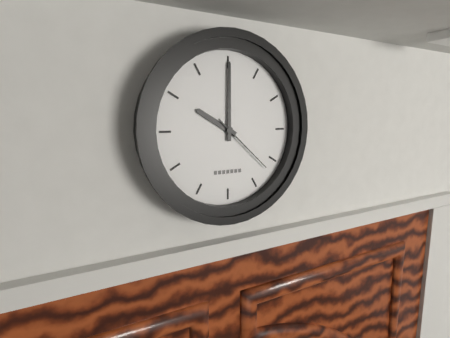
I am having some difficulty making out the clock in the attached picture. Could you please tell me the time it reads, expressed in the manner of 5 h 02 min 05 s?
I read 10 h 00 min 22 s
